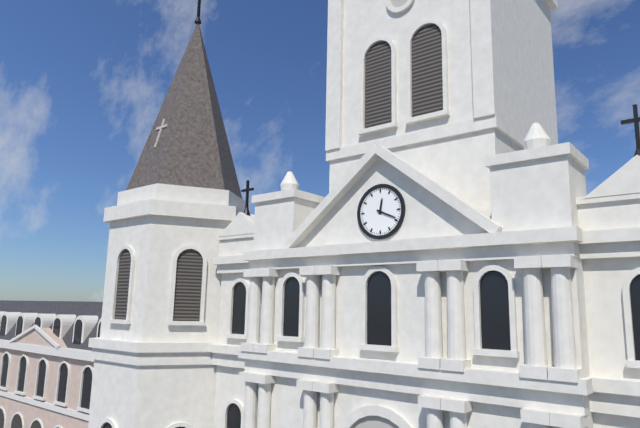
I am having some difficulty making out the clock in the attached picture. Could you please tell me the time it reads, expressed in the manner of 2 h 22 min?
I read 12 h 19 min
